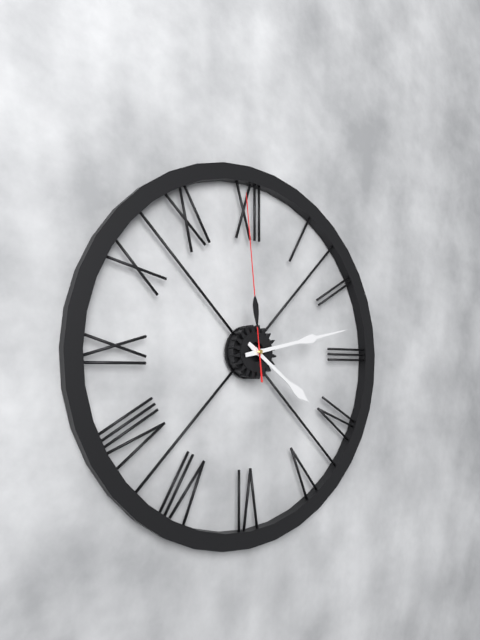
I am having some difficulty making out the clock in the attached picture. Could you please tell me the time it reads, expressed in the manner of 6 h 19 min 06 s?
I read 4 h 13 min 59 s
